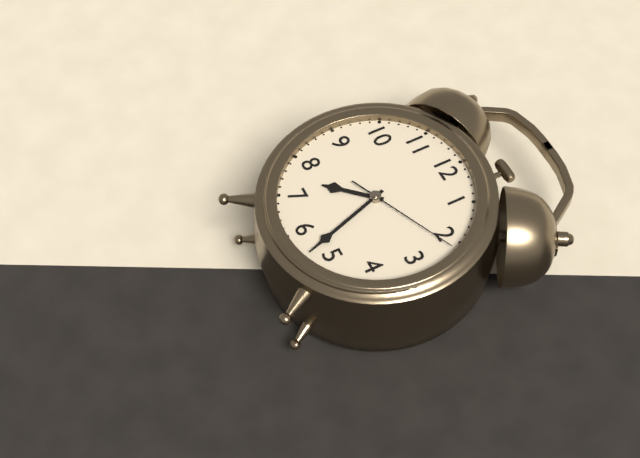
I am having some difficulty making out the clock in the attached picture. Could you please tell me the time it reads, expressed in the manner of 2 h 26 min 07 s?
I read 7 h 27 min 11 s
